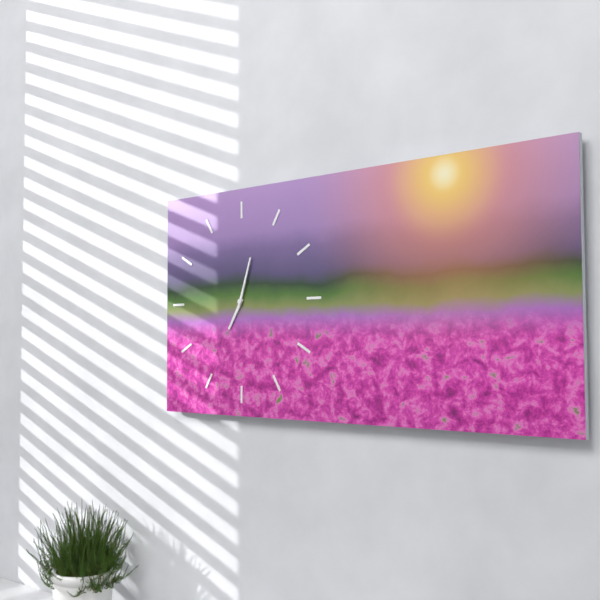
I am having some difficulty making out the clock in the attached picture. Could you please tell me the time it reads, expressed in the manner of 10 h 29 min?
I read 7 h 03 min
